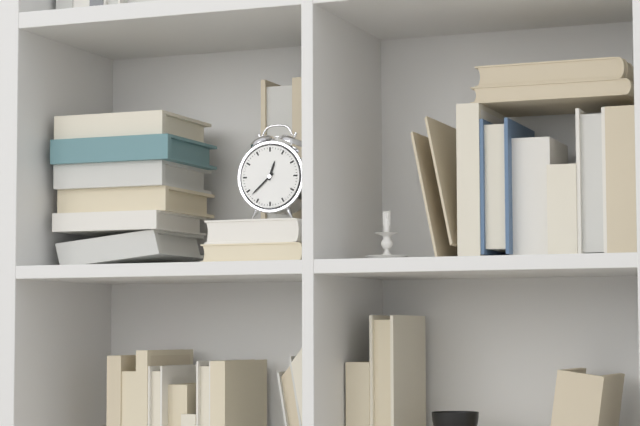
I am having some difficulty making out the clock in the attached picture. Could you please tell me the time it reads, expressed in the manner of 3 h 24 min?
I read 12 h 38 min
